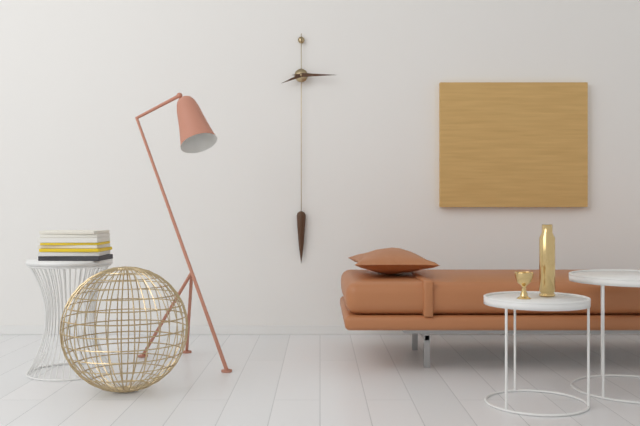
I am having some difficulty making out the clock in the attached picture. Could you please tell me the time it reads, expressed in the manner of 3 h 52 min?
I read 8 h 15 min
